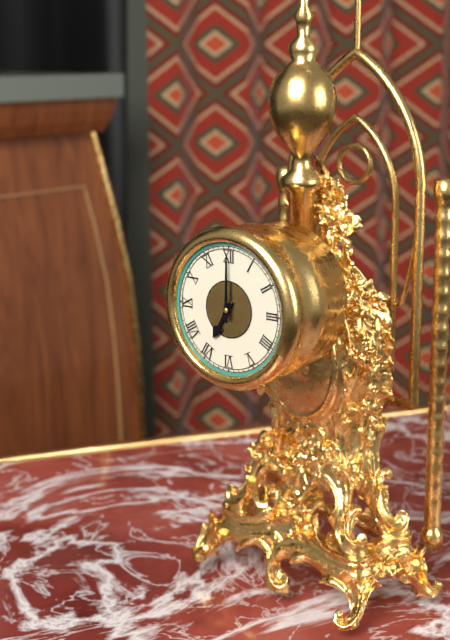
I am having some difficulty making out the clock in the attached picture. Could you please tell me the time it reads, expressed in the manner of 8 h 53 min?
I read 7 h 00 min
